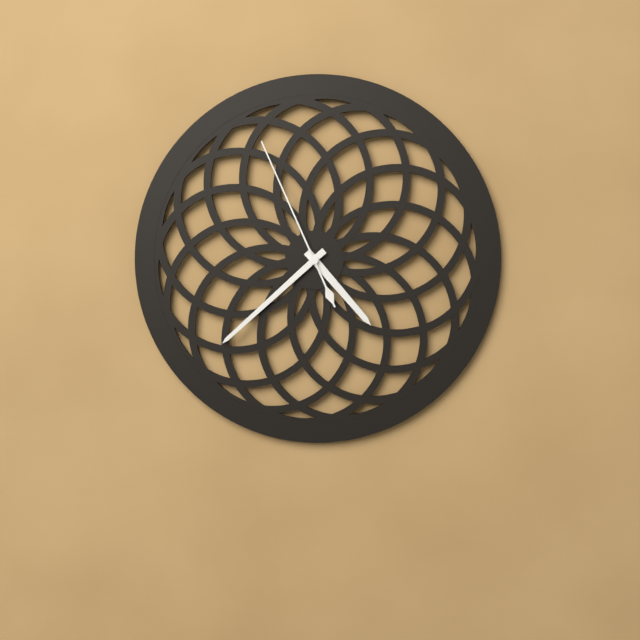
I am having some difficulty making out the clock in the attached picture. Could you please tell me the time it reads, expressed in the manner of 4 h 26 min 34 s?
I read 4 h 38 min 56 s
